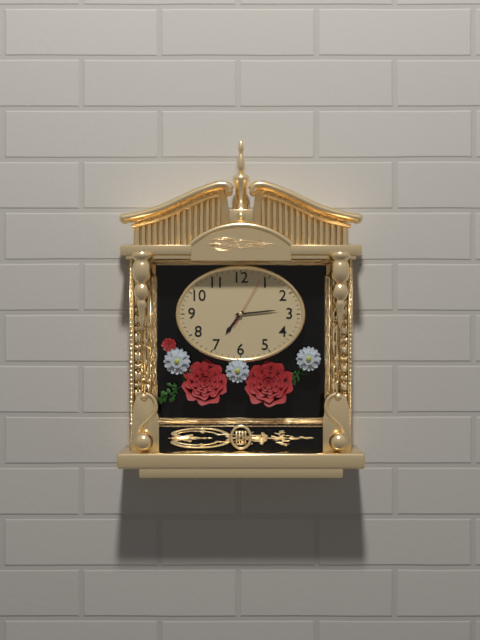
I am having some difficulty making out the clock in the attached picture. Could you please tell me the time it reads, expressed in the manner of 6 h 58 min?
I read 7 h 14 min
